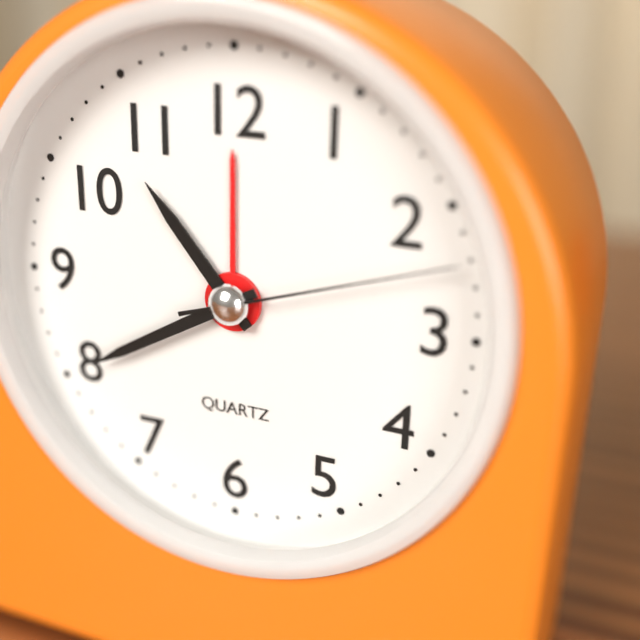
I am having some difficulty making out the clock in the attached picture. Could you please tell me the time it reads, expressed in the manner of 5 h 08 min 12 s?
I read 10 h 40 min 12 s
